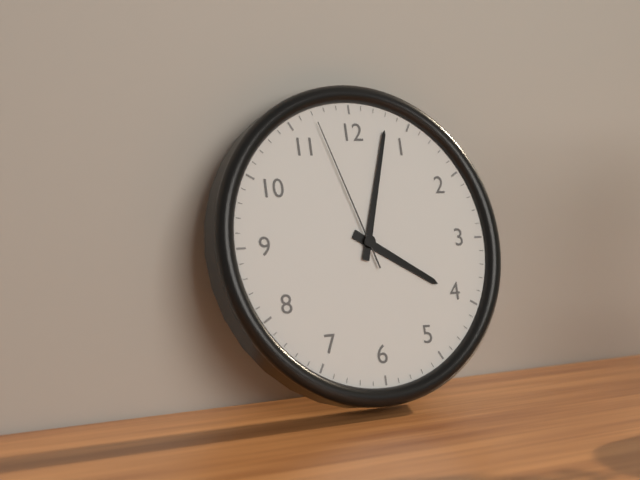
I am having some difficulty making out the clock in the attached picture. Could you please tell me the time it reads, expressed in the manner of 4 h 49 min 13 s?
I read 4 h 03 min 57 s
